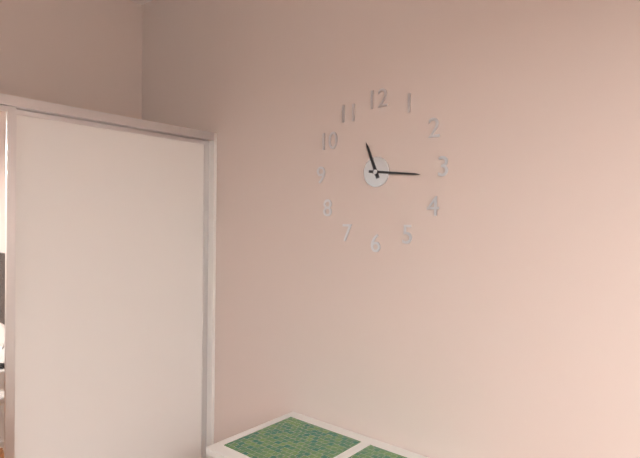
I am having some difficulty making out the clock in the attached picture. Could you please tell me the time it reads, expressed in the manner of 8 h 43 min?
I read 11 h 16 min
